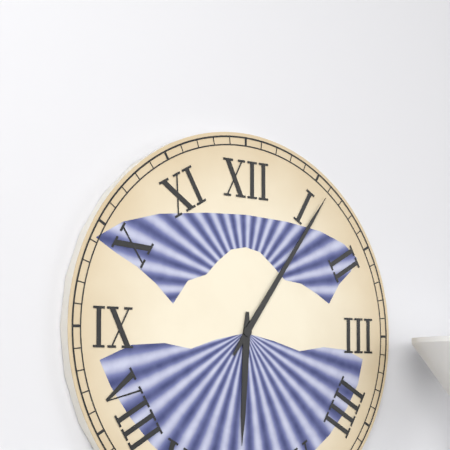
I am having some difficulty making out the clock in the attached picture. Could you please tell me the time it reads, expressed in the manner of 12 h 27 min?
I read 6 h 06 min
